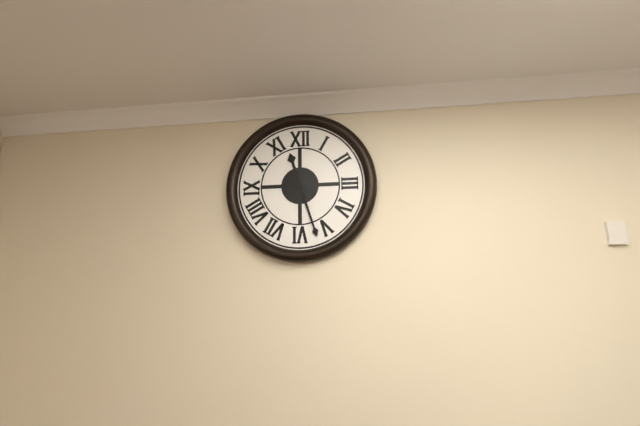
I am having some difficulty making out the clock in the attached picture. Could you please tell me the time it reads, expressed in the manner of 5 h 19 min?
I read 11 h 27 min
